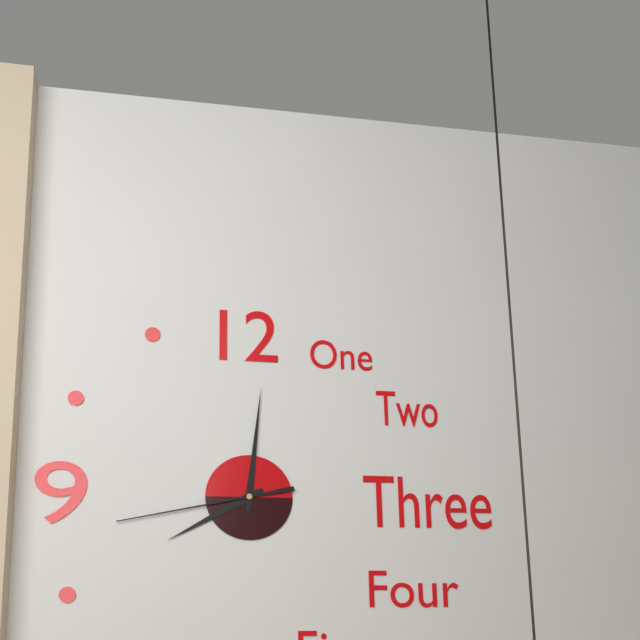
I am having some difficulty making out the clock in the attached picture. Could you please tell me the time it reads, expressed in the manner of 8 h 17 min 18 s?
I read 8 h 01 min 43 s
